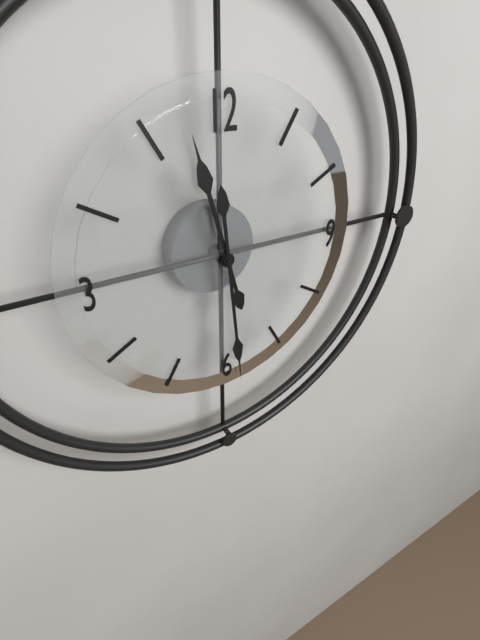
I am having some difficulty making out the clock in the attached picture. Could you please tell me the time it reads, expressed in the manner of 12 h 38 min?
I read 11 h 29 min
